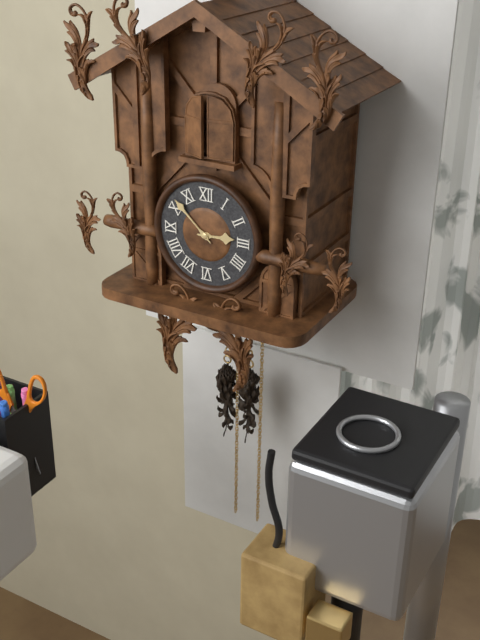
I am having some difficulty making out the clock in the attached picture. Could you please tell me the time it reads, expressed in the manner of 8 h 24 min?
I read 2 h 52 min
